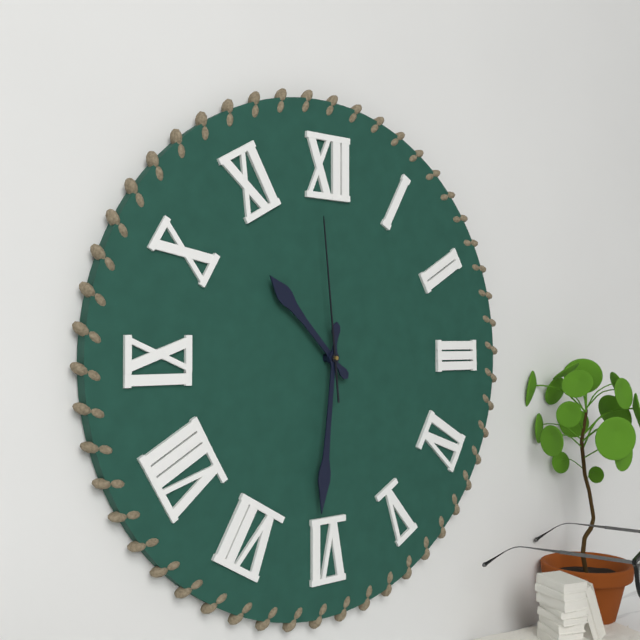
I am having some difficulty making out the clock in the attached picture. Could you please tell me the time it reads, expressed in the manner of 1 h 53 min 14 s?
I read 10 h 31 min 59 s
